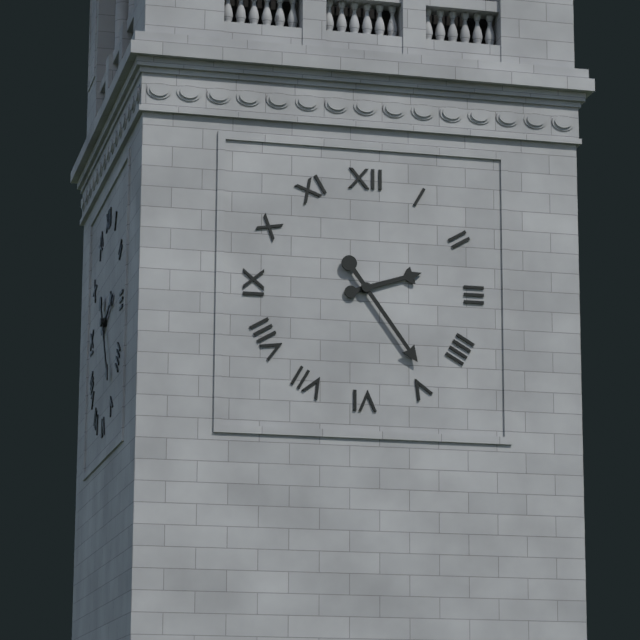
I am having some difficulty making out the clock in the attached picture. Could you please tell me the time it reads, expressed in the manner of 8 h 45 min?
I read 2 h 24 min
